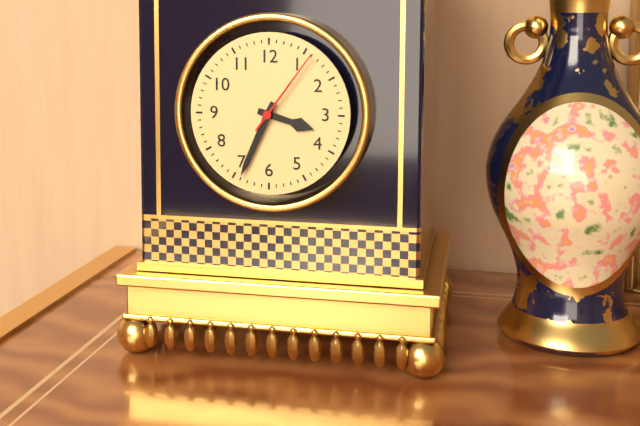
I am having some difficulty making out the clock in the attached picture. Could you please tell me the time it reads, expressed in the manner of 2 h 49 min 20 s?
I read 3 h 34 min 06 s
